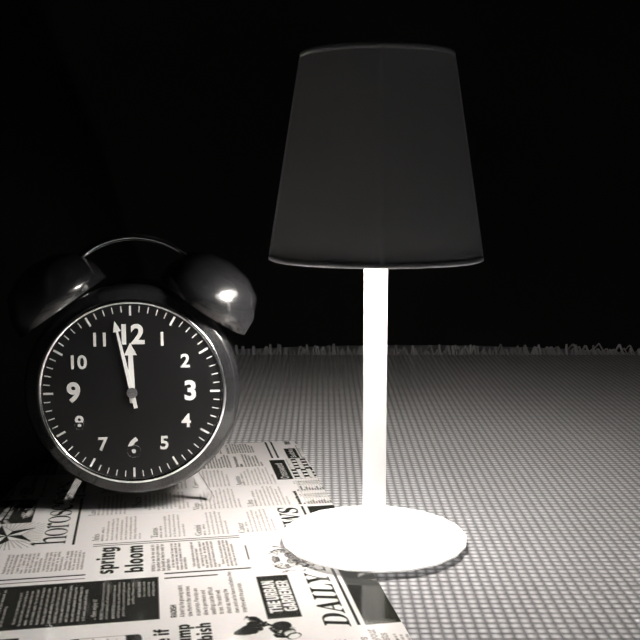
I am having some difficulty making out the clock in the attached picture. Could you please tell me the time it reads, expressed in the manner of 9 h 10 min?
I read 11 h 58 min
